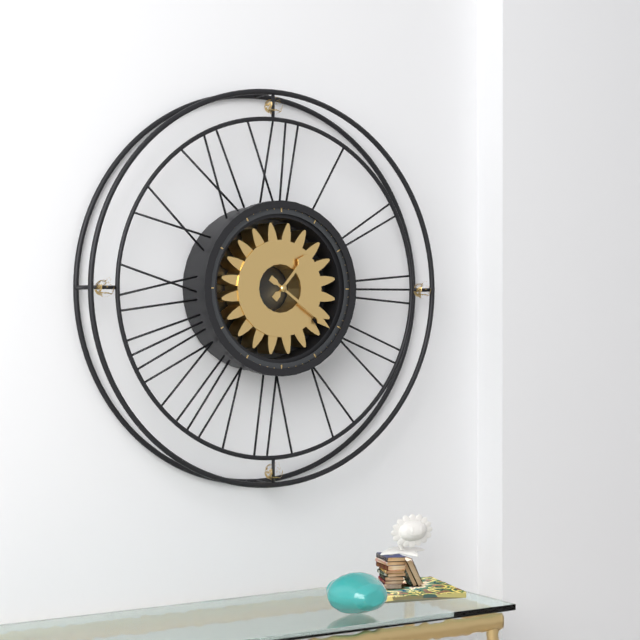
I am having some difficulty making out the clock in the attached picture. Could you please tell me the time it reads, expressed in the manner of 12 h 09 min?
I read 1 h 21 min
